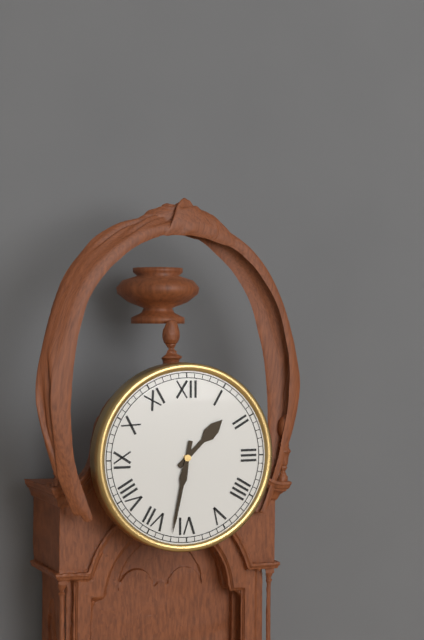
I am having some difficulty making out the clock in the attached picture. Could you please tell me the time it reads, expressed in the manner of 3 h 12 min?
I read 1 h 32 min
